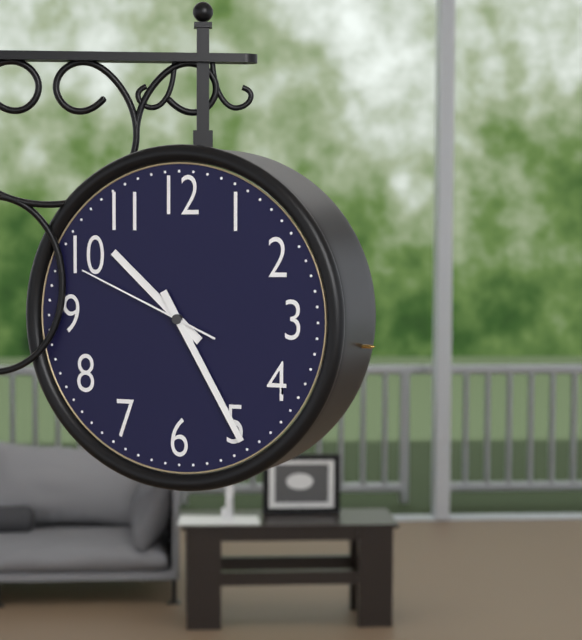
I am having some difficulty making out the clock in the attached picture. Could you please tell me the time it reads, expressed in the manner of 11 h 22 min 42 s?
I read 10 h 25 min 49 s
